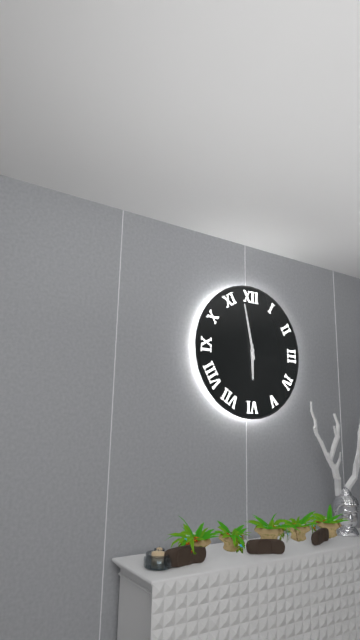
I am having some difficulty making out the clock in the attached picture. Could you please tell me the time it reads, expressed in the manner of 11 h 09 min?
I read 5 h 58 min
